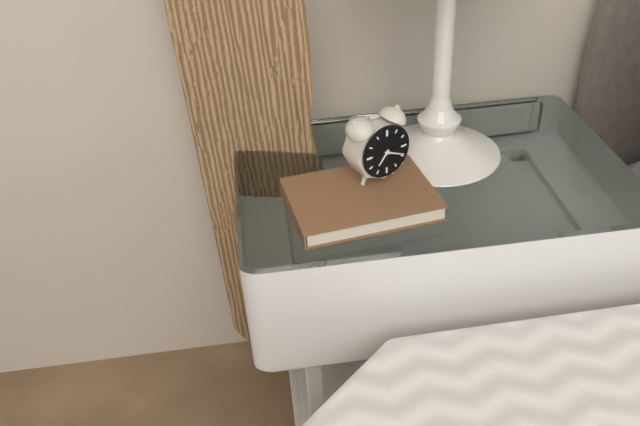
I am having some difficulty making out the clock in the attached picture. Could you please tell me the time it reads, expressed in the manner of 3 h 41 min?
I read 7 h 19 min
